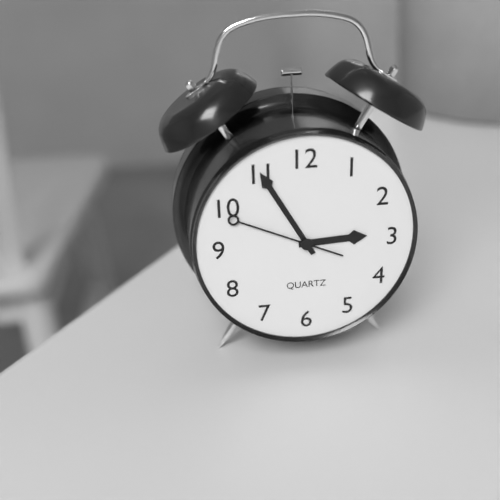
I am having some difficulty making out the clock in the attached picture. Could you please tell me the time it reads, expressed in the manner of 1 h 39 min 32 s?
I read 2 h 55 min 49 s
